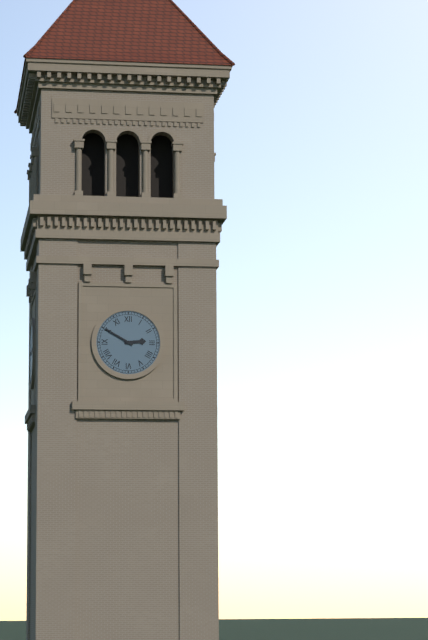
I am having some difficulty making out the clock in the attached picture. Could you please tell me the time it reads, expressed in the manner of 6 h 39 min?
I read 2 h 50 min
